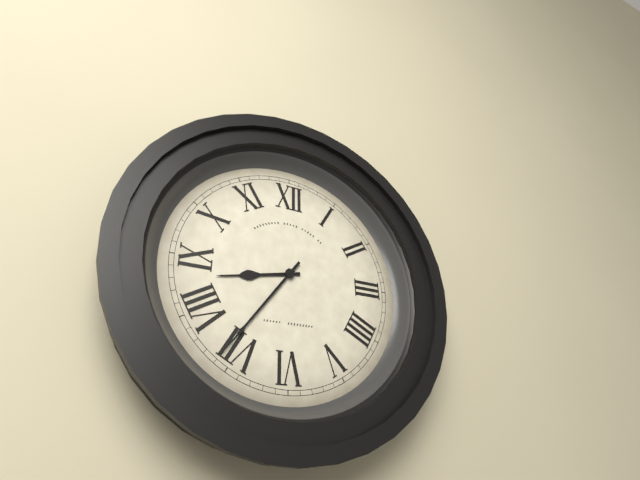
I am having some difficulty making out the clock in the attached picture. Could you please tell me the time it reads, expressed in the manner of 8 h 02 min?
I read 8 h 36 min
